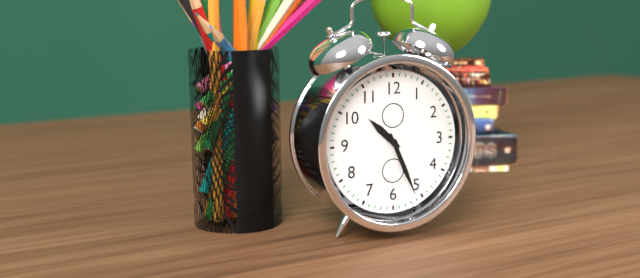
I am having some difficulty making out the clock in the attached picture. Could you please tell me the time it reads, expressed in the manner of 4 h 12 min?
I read 10 h 26 min
